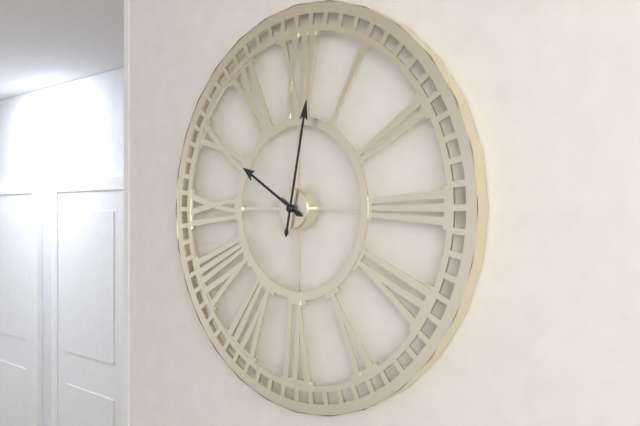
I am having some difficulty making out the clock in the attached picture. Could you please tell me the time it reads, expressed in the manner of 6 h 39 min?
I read 10 h 02 min
